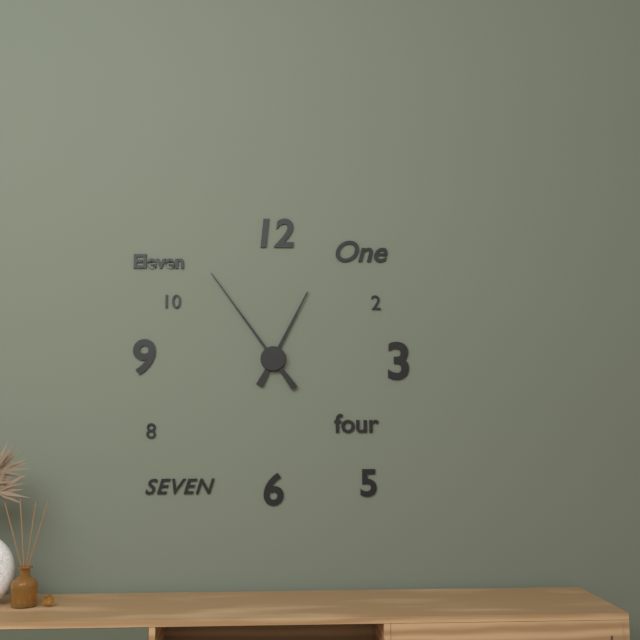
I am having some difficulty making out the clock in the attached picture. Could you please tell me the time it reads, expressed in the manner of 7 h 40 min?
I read 12 h 54 min
